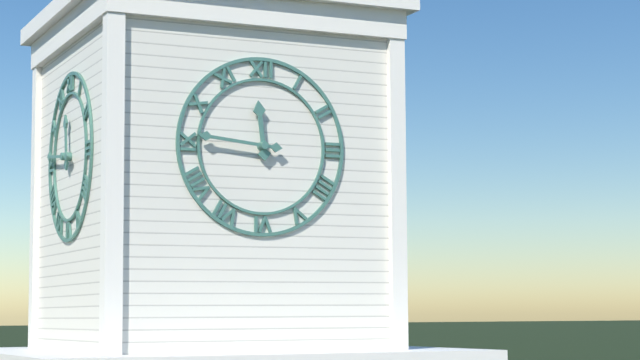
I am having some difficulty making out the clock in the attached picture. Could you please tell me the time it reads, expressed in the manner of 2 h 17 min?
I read 11 h 46 min
